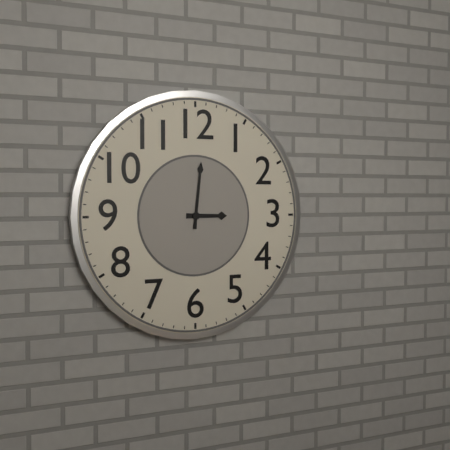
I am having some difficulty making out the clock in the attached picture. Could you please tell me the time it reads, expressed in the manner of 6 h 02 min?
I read 3 h 01 min
